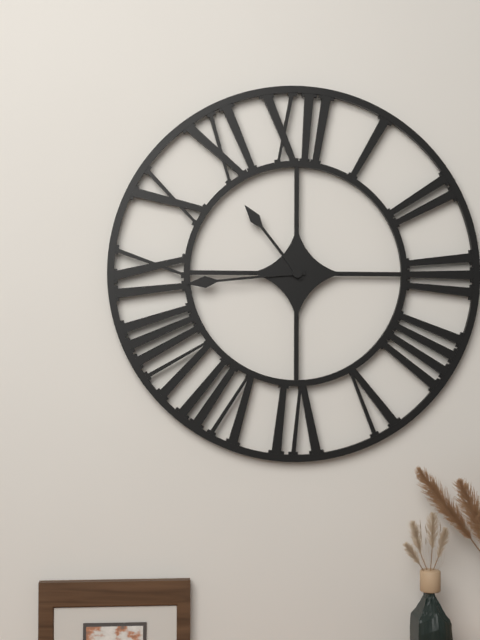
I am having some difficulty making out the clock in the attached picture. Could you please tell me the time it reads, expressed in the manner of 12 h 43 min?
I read 10 h 44 min
